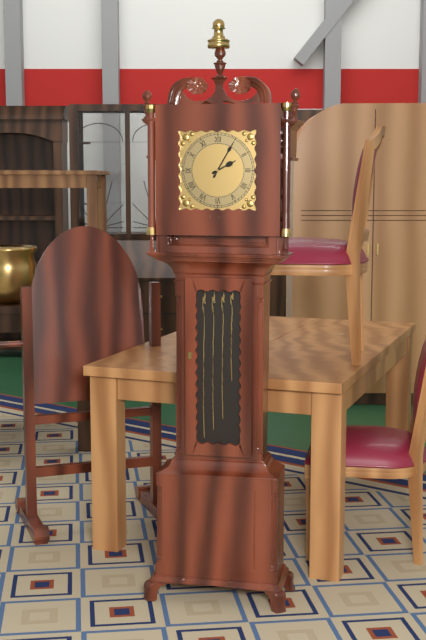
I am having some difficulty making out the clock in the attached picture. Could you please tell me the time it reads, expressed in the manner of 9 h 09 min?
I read 2 h 05 min
